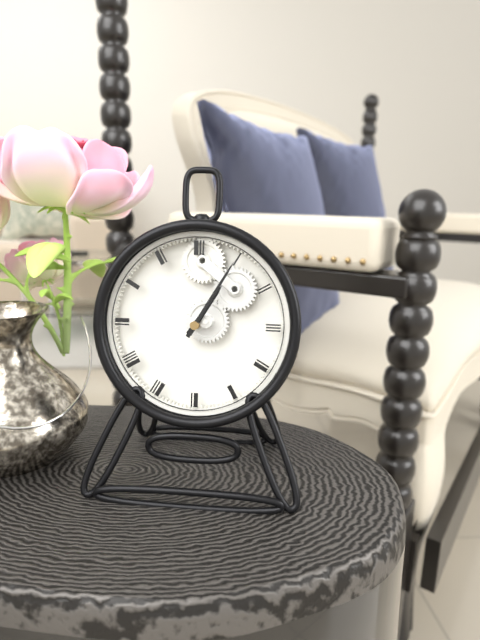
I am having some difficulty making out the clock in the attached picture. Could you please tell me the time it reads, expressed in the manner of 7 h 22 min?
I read 1 h 05 min
